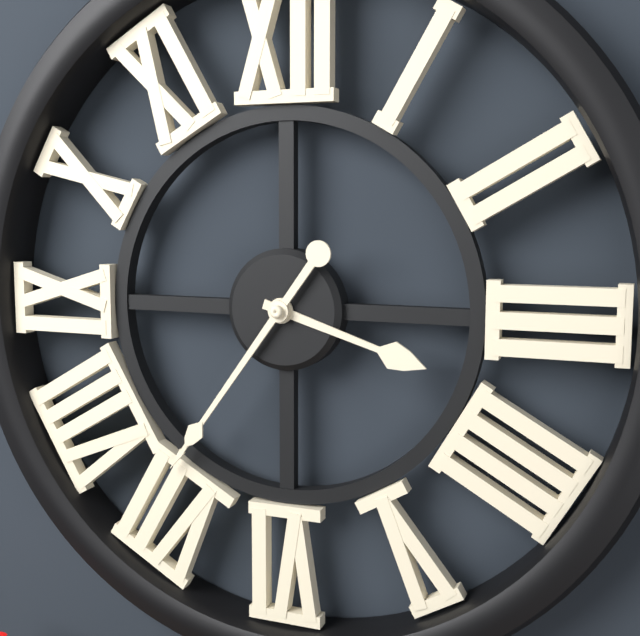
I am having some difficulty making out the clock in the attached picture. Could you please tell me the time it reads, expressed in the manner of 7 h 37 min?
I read 3 h 36 min
